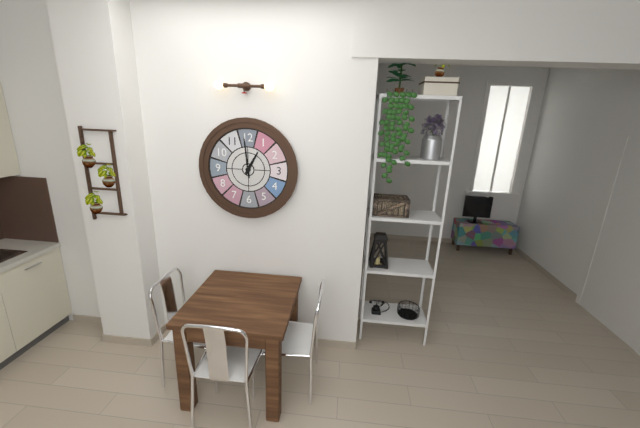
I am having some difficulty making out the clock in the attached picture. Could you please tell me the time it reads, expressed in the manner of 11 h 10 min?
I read 12 h 59 min
